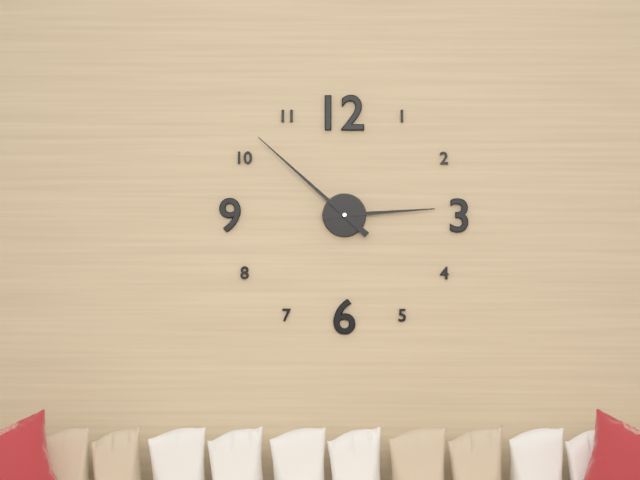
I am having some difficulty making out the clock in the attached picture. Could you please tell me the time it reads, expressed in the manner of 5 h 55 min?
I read 2 h 52 min
